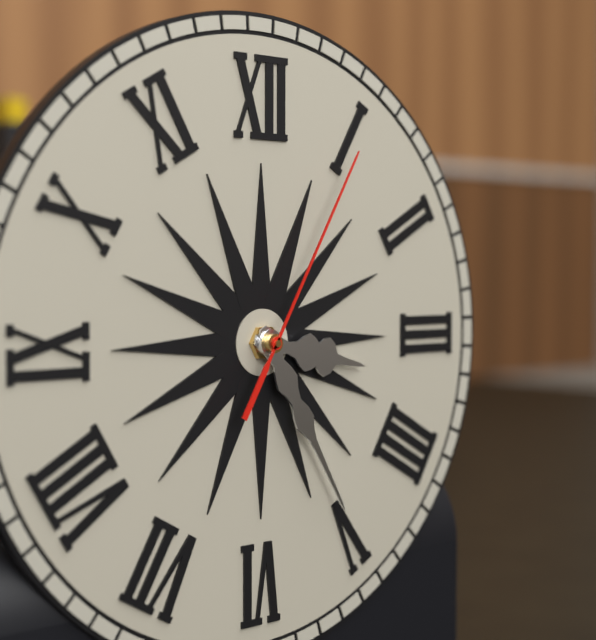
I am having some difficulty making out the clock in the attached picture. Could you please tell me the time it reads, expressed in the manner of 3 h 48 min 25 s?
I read 3 h 25 min 05 s
